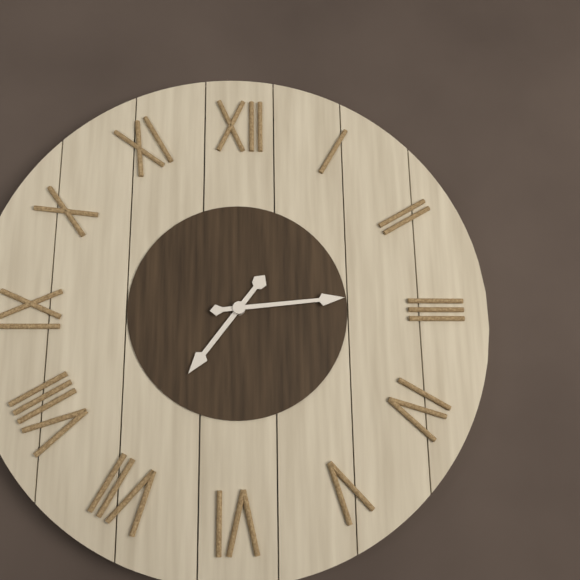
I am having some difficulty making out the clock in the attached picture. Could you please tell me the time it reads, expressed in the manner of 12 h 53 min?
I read 7 h 14 min
